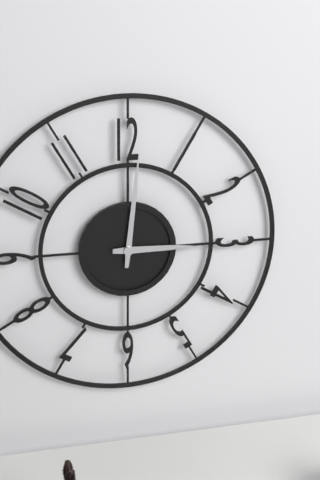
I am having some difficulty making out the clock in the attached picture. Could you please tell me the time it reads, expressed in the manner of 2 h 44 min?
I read 3 h 01 min
